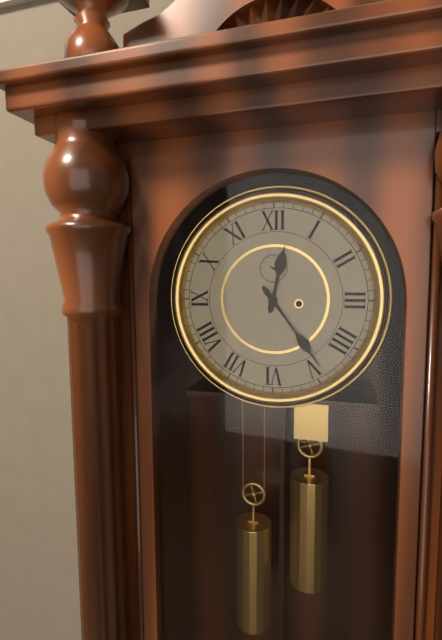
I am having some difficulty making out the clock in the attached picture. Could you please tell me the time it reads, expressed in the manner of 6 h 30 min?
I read 12 h 24 min
